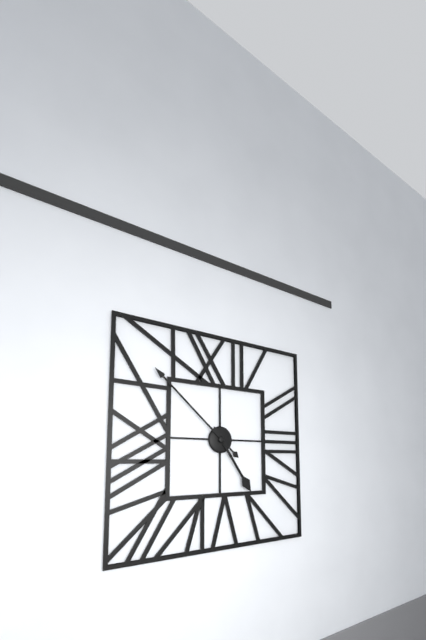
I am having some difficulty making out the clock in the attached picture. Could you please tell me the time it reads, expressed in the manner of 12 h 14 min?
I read 4 h 52 min
